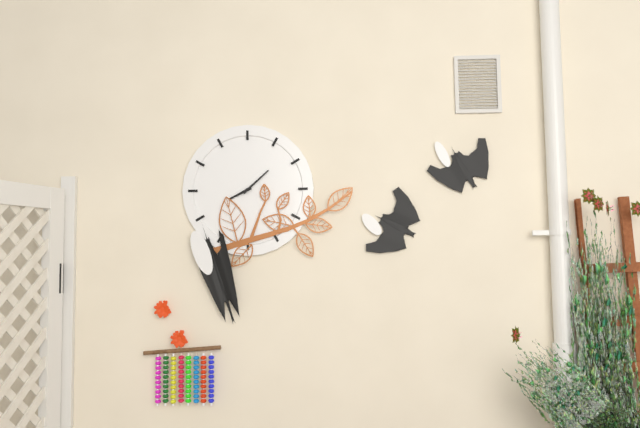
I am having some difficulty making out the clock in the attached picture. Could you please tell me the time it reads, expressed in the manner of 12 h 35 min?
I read 8 h 08 min
